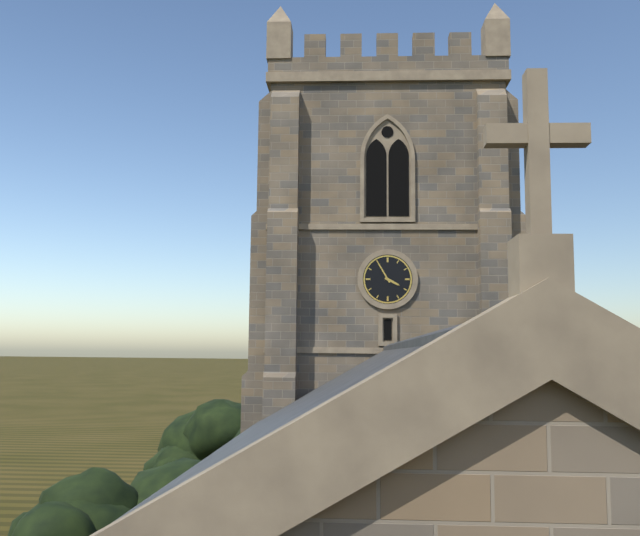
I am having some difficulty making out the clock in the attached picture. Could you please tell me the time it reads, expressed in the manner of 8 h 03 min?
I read 3 h 55 min
